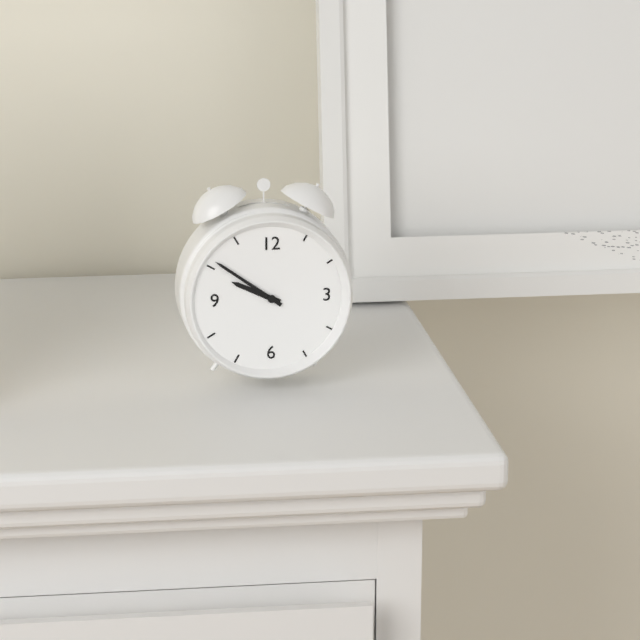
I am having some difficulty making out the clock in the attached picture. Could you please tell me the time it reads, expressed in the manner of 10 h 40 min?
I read 9 h 51 min
